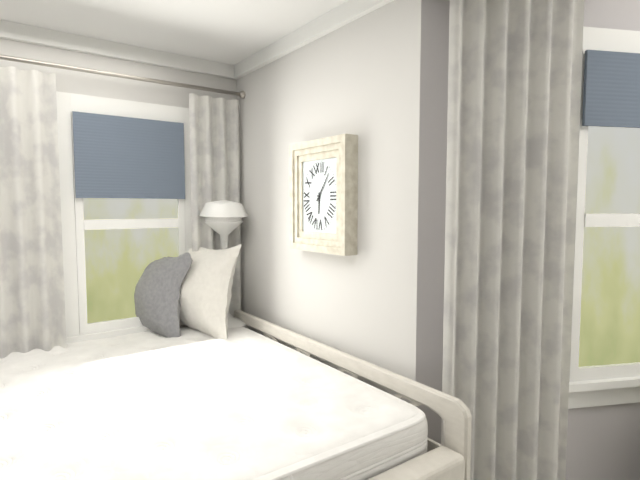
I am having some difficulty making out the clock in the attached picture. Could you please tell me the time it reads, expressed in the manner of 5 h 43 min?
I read 6 h 06 min
